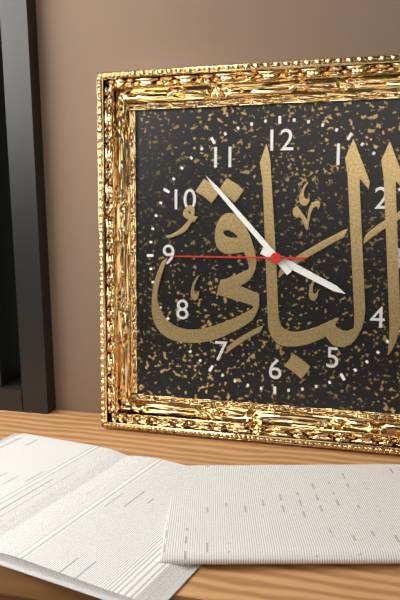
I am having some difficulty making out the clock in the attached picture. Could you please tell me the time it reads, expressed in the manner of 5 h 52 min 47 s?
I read 3 h 53 min 45 s
